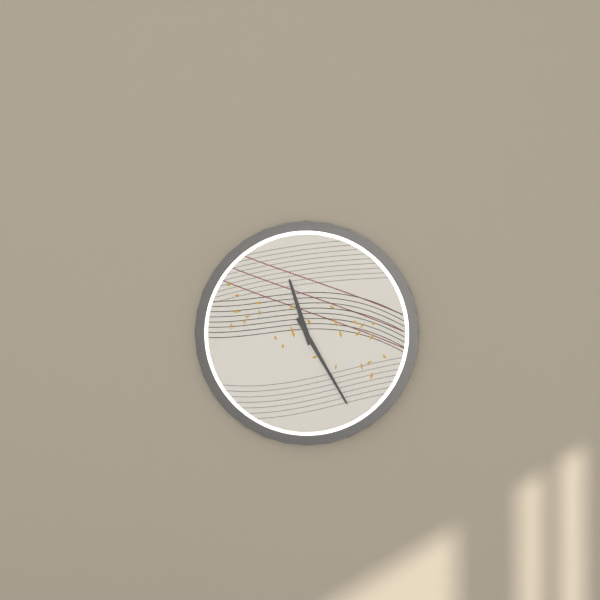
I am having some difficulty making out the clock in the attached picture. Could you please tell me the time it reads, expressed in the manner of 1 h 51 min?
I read 11 h 25 min
